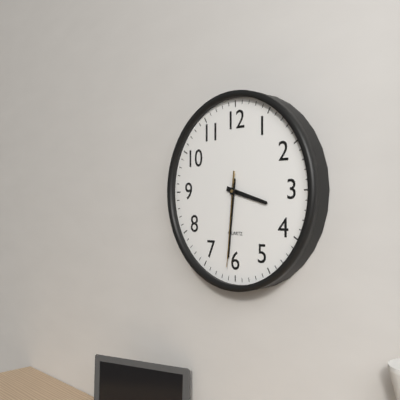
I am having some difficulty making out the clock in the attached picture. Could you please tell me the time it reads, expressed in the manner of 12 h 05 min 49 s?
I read 3 h 31 min 31 s
